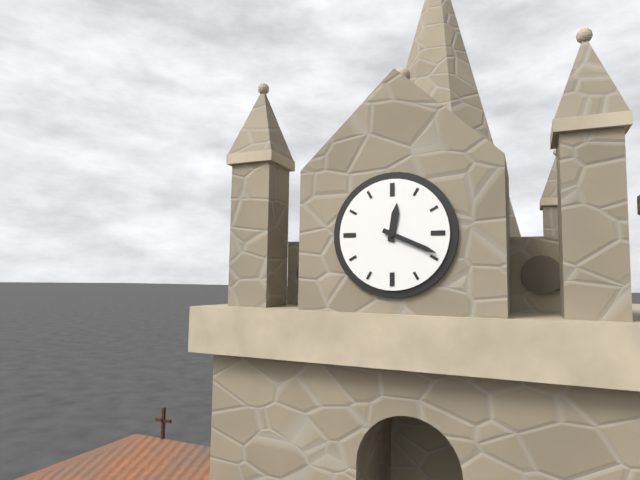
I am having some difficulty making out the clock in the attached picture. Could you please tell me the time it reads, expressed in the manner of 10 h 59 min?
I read 12 h 19 min
